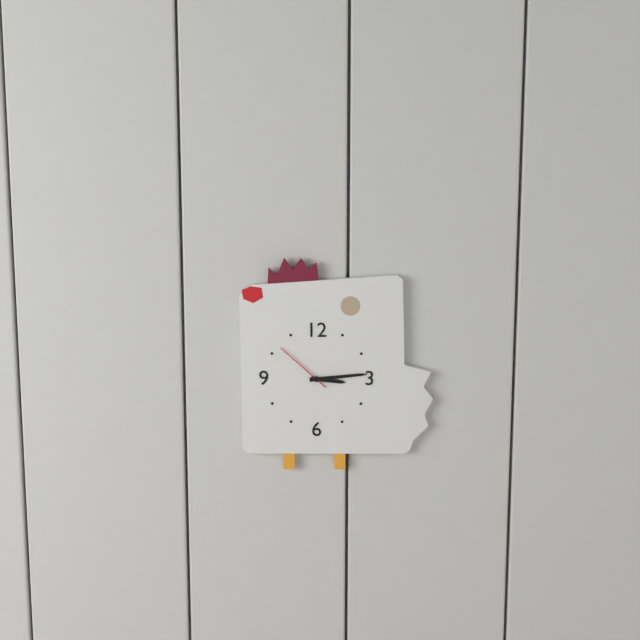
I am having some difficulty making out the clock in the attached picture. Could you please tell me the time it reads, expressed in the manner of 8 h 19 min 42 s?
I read 3 h 14 min 52 s
